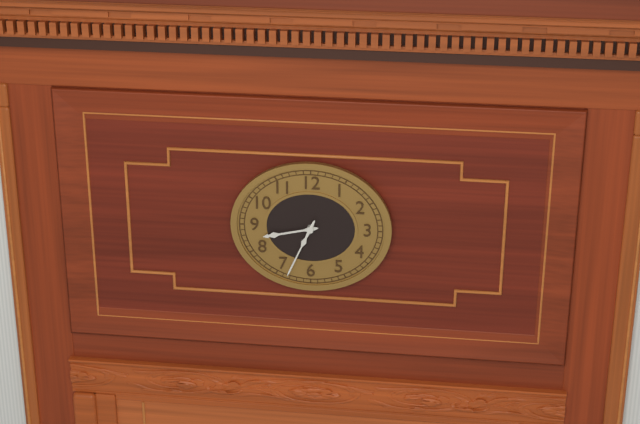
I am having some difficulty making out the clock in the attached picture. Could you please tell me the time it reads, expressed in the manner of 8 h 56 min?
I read 8 h 34 min
